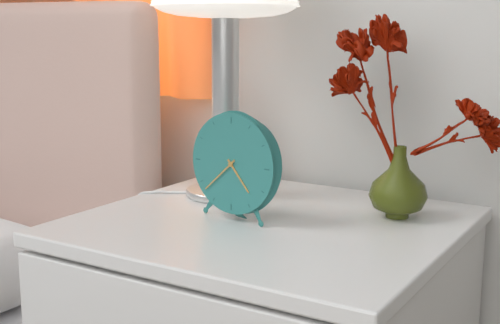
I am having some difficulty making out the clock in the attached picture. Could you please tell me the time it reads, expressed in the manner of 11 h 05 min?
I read 4 h 38 min
